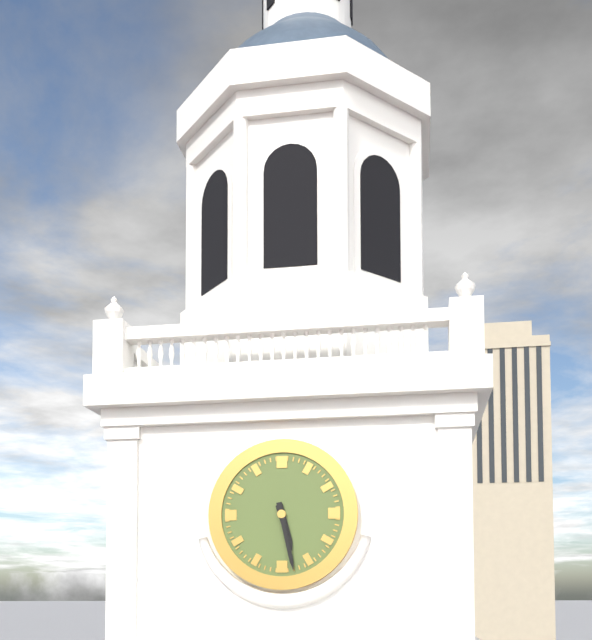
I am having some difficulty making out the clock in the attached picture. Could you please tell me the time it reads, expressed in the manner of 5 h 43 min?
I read 5 h 28 min
